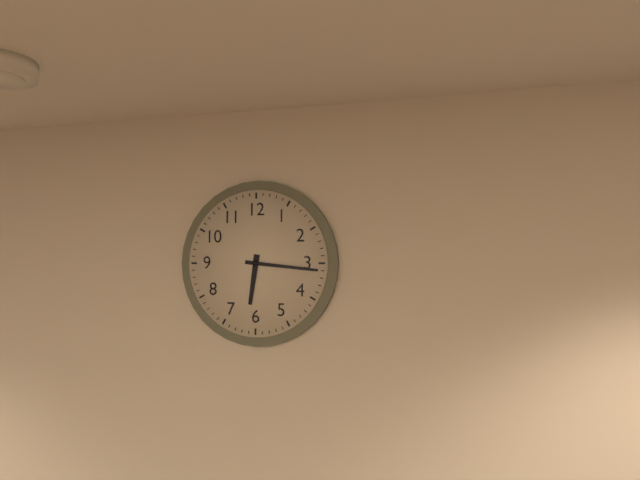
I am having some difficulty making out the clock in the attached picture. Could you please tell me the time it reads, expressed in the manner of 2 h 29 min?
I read 6 h 16 min
